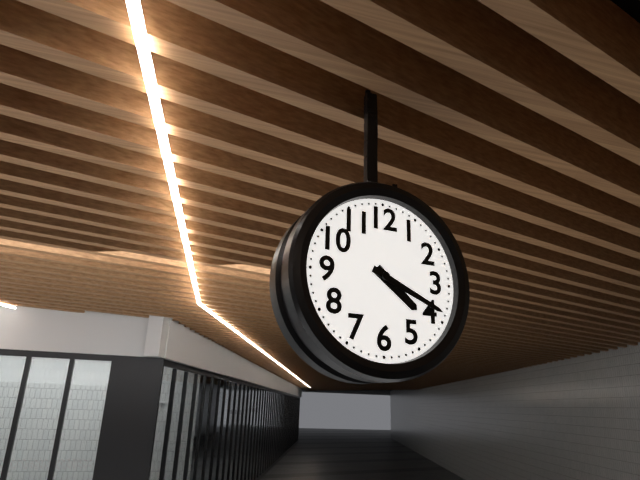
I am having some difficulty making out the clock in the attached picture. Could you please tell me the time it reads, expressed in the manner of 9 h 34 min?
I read 4 h 19 min
